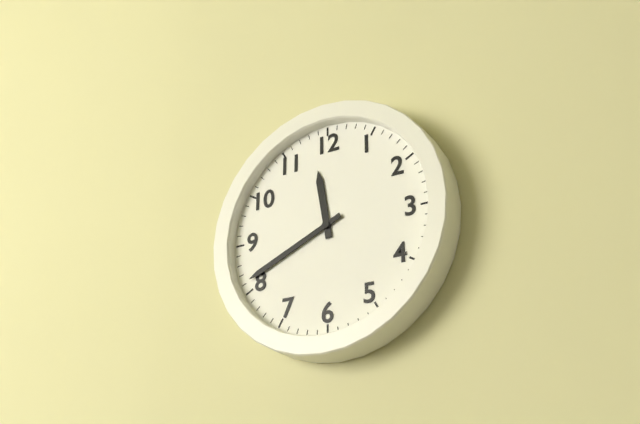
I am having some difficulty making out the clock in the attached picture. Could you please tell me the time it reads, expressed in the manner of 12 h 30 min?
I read 11 h 41 min
